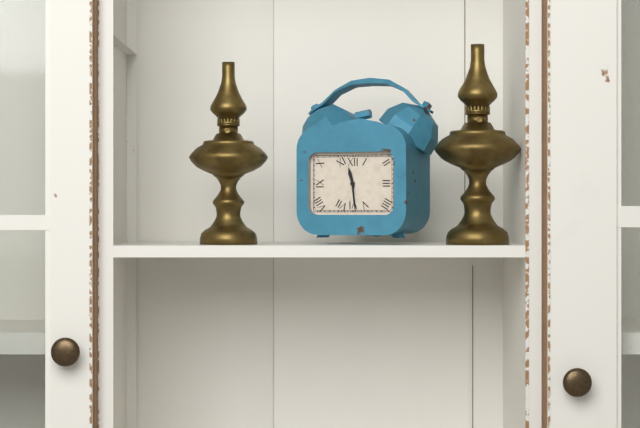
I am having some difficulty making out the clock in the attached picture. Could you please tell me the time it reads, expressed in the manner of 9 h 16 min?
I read 11 h 29 min
